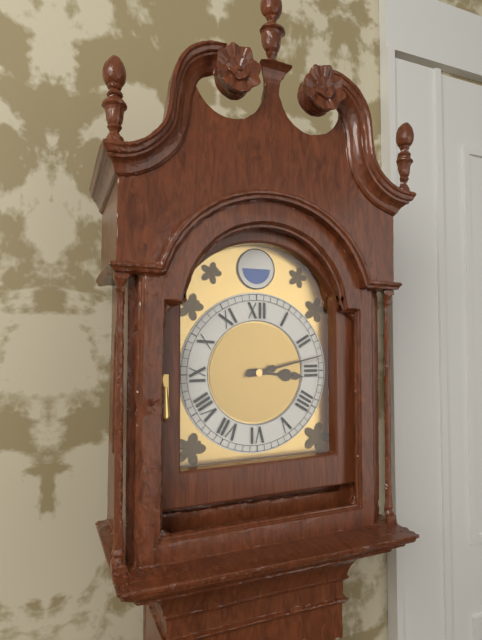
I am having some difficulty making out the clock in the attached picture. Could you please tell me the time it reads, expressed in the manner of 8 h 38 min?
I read 3 h 13 min
